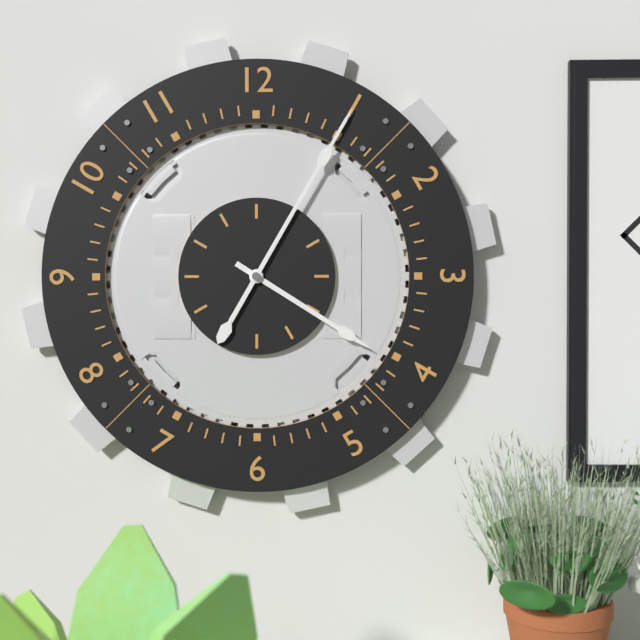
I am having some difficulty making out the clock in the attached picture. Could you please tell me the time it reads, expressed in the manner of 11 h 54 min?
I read 4 h 05 min
